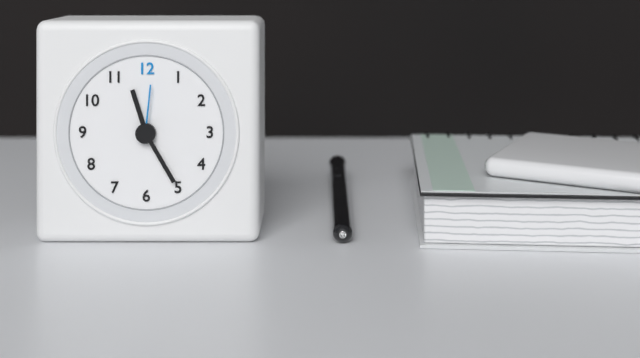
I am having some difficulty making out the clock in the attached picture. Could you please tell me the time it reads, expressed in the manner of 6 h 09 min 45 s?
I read 11 h 25 min 01 s
